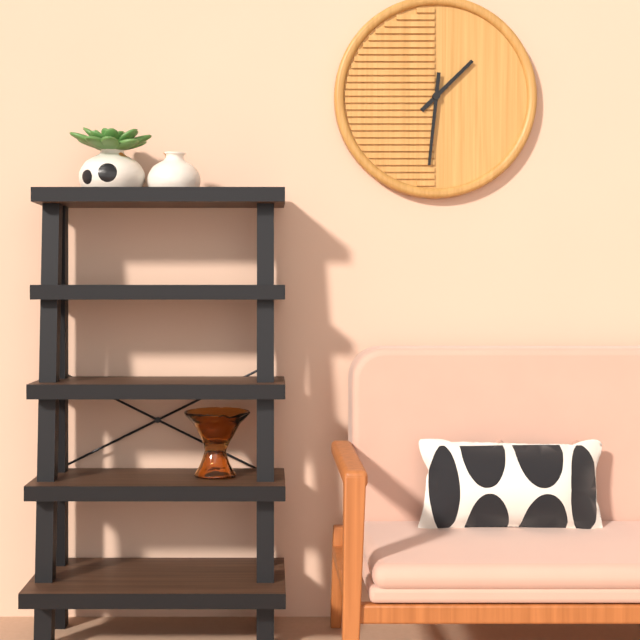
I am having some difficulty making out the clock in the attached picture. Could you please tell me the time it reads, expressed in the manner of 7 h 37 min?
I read 1 h 31 min
